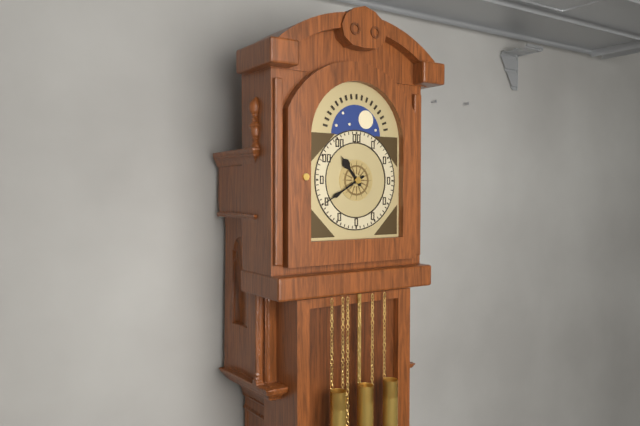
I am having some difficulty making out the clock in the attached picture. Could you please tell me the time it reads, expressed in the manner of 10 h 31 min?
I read 10 h 40 min
